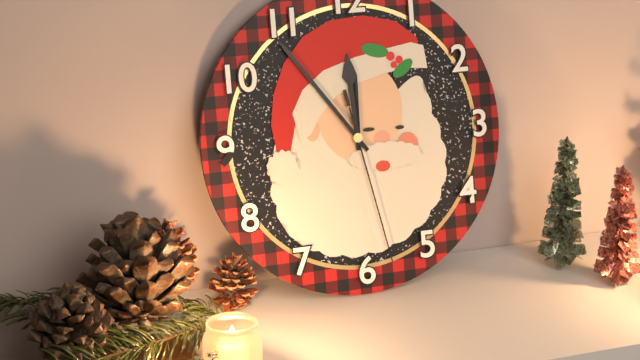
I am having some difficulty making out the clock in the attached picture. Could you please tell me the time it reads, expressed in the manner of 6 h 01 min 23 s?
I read 11 h 54 min 28 s
